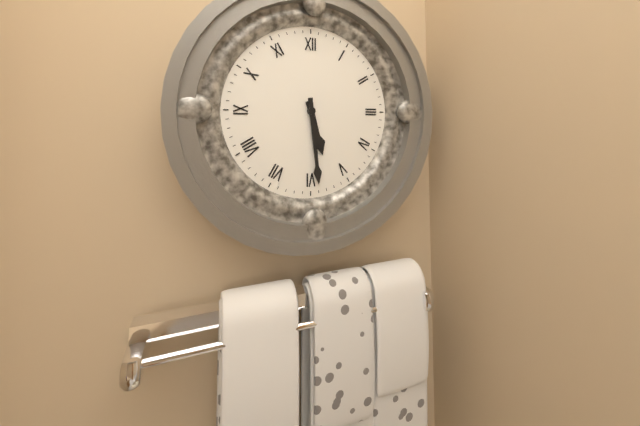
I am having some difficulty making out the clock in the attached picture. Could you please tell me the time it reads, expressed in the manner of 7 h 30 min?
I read 5 h 29 min
